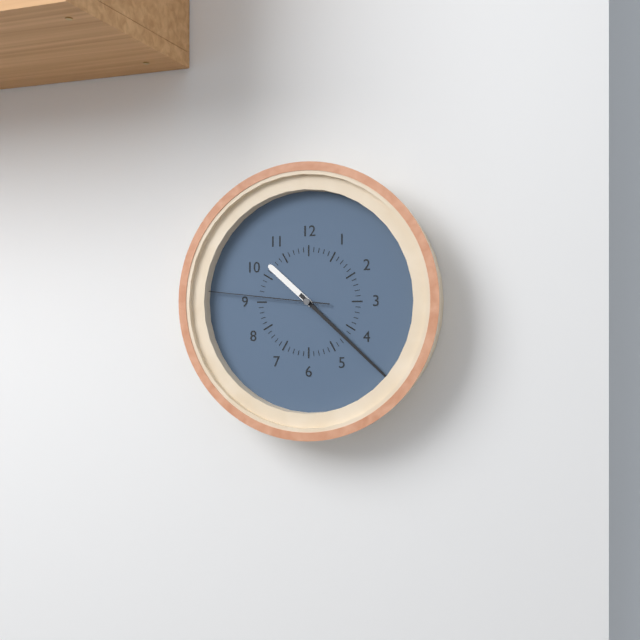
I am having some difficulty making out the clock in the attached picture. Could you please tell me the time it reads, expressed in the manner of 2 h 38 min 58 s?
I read 10 h 22 min 46 s
